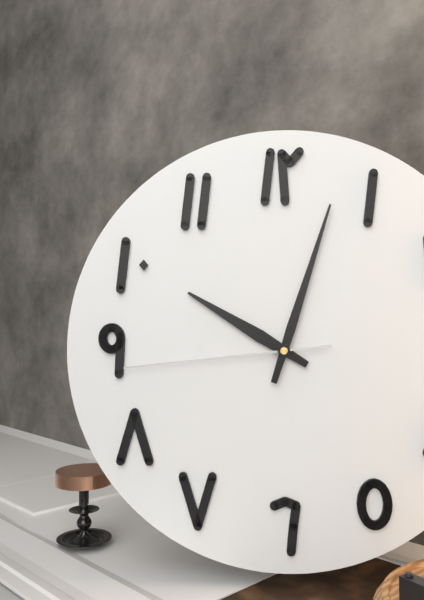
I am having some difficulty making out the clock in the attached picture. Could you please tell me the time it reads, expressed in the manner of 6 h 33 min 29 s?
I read 10 h 03 min 44 s
